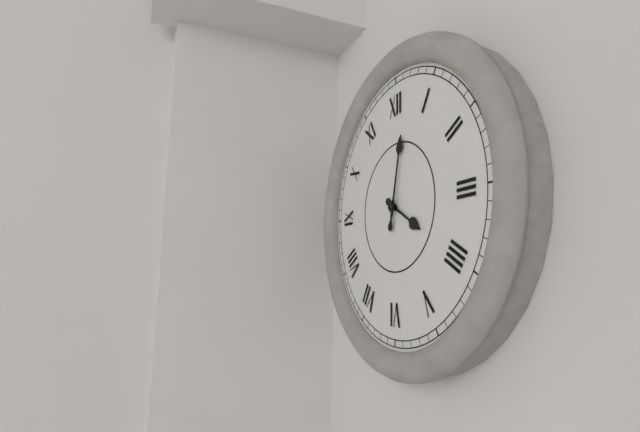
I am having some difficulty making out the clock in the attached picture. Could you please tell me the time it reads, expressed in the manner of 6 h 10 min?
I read 4 h 02 min
